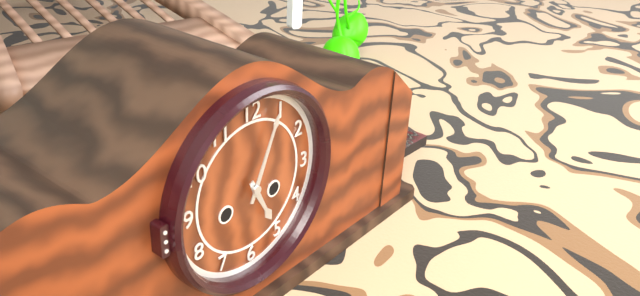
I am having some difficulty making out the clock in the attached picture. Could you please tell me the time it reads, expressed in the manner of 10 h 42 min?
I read 5 h 04 min
